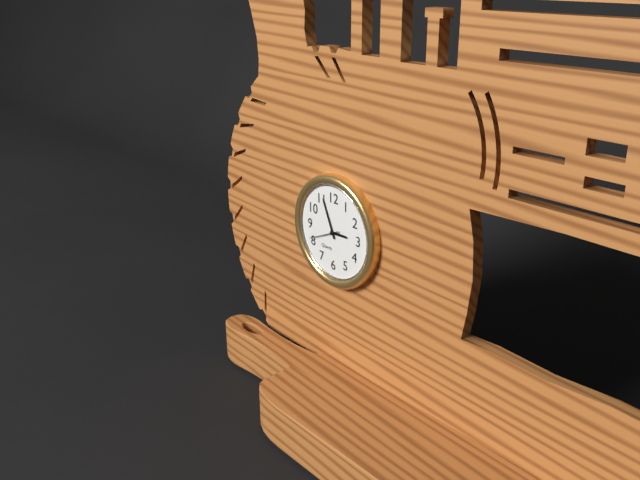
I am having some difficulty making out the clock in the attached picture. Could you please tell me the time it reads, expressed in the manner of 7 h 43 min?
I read 2 h 56 min
